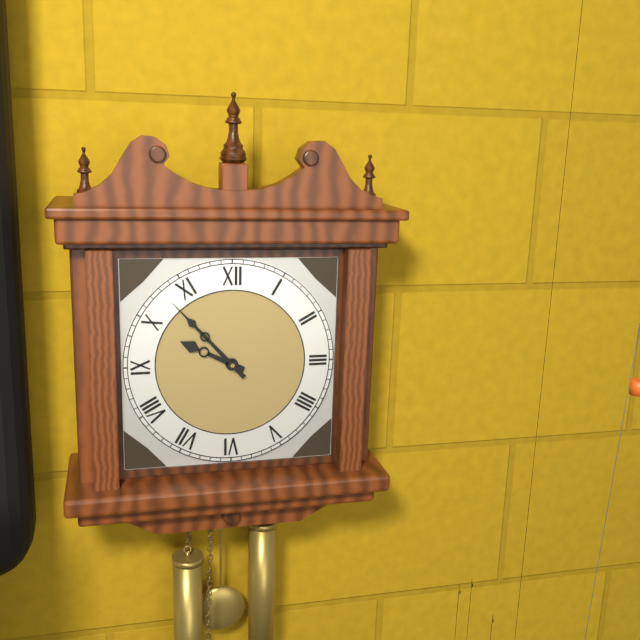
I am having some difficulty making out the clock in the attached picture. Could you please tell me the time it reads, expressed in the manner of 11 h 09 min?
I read 9 h 53 min
